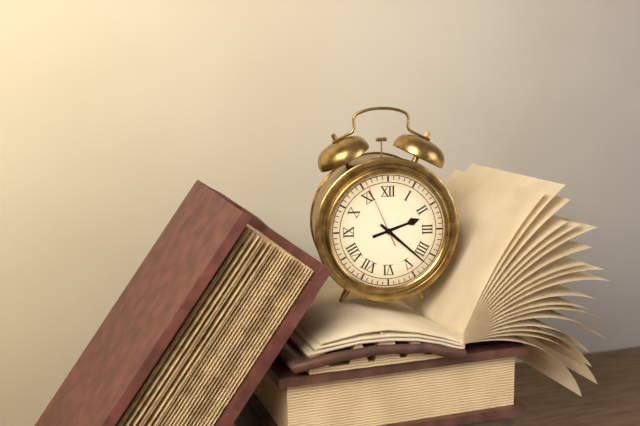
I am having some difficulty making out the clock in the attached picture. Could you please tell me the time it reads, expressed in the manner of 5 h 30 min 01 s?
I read 2 h 22 min 56 s
